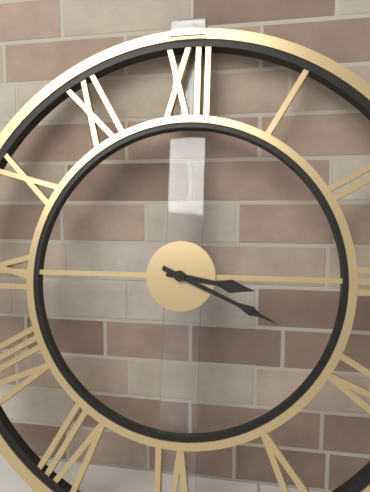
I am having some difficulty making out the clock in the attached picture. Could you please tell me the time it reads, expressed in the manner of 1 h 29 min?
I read 3 h 19 min
